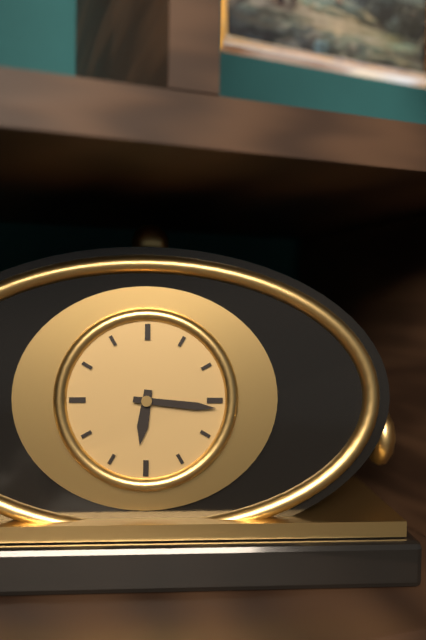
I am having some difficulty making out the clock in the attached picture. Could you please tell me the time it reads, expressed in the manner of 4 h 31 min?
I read 6 h 16 min
